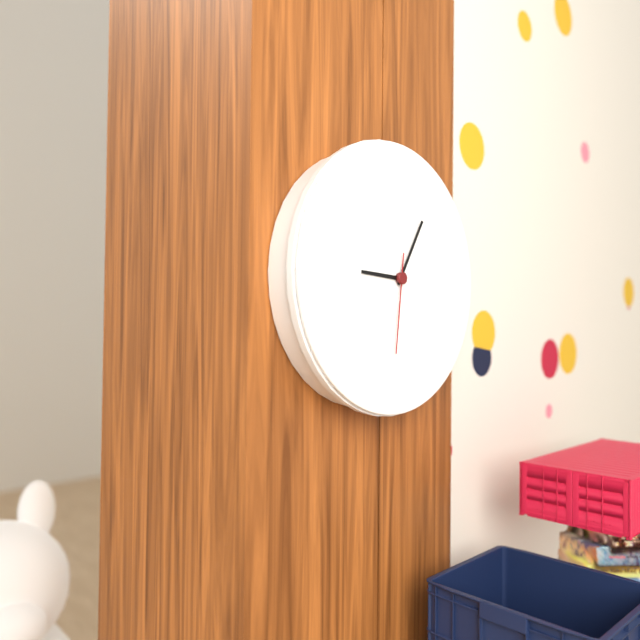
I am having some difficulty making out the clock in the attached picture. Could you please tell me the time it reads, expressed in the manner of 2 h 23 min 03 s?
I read 9 h 05 min 31 s
